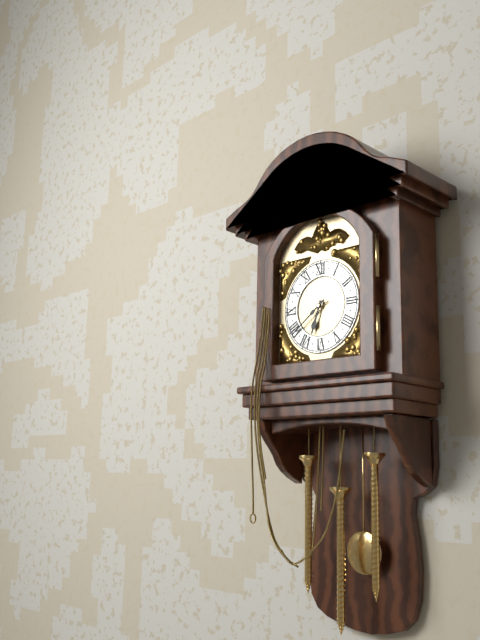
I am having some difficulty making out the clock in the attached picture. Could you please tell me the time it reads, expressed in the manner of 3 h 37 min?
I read 6 h 39 min
